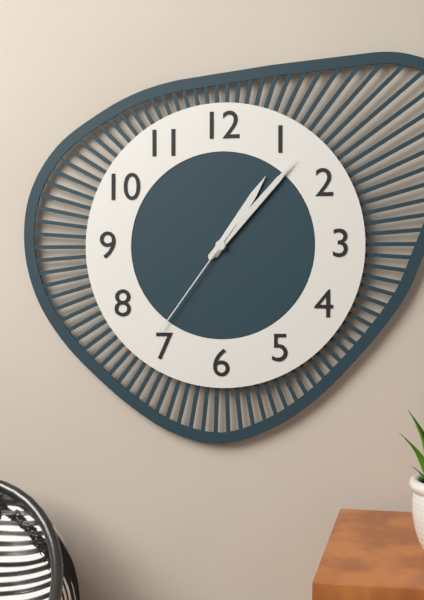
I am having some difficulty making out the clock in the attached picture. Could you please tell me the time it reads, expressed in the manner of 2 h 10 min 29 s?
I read 1 h 07 min 36 s
